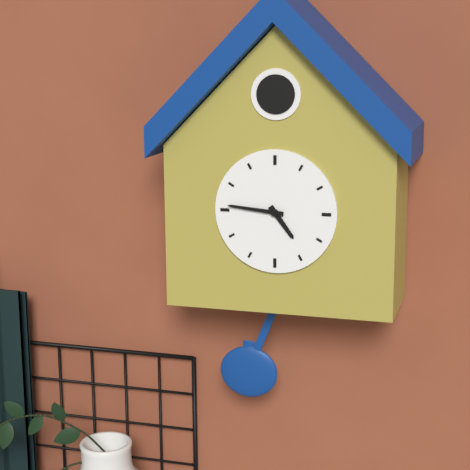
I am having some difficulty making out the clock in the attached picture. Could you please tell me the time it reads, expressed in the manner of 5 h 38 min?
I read 4 h 46 min
